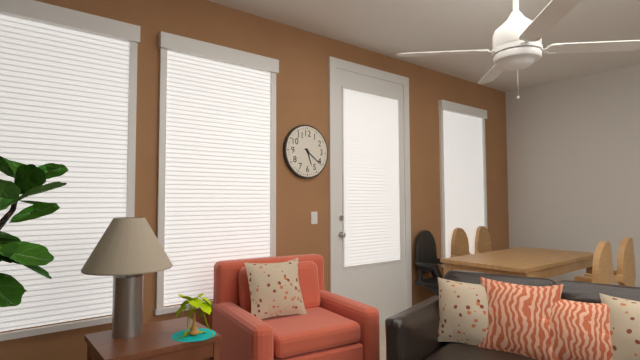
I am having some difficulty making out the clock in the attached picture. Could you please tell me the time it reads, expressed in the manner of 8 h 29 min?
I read 5 h 21 min
